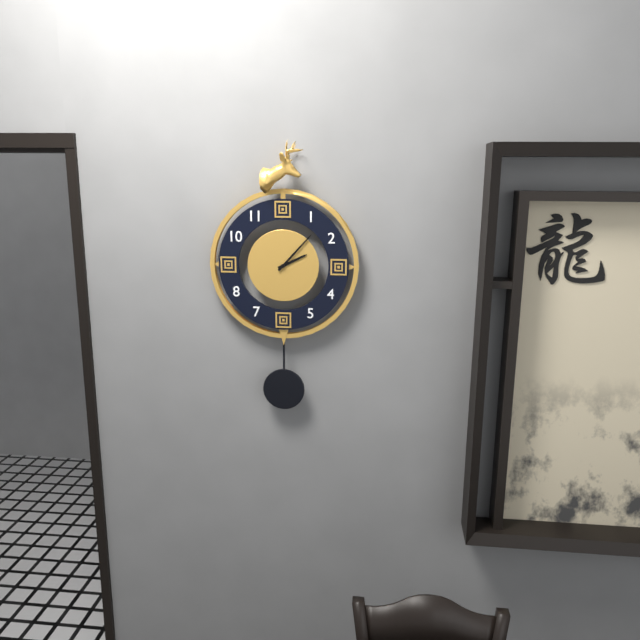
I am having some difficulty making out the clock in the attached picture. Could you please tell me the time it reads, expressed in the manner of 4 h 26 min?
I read 2 h 07 min
